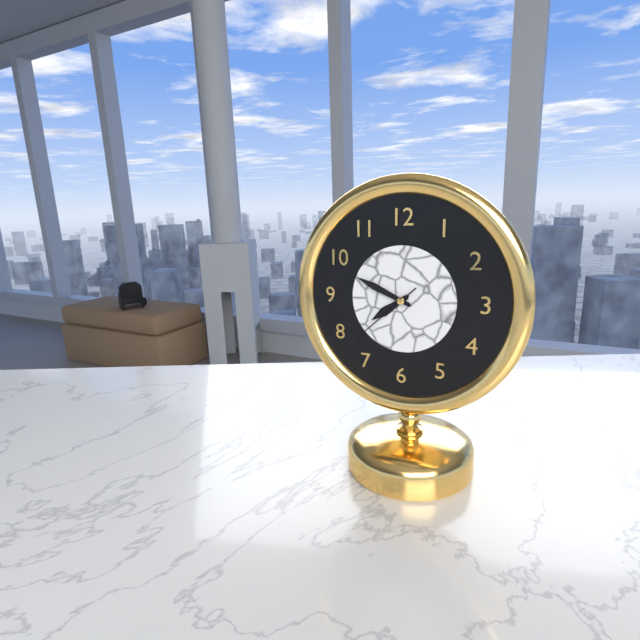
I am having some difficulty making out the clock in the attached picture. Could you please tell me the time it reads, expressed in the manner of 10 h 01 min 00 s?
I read 7 h 49 min 38 s
